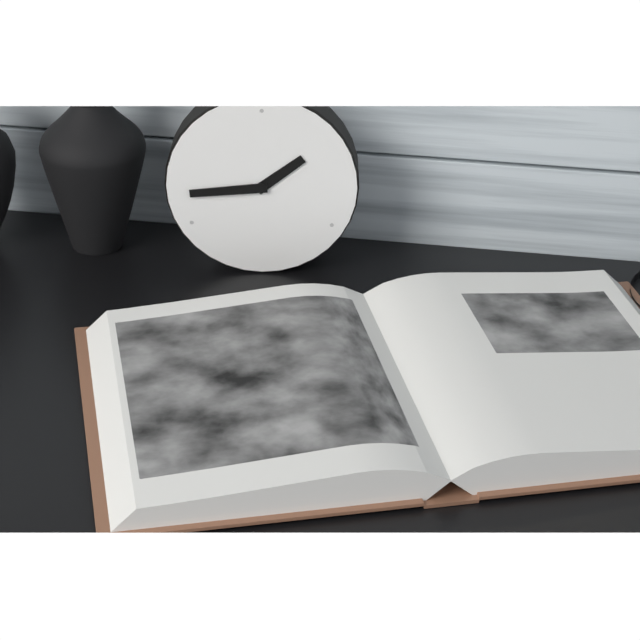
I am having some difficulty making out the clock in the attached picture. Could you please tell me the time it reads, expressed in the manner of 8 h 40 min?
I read 1 h 44 min
